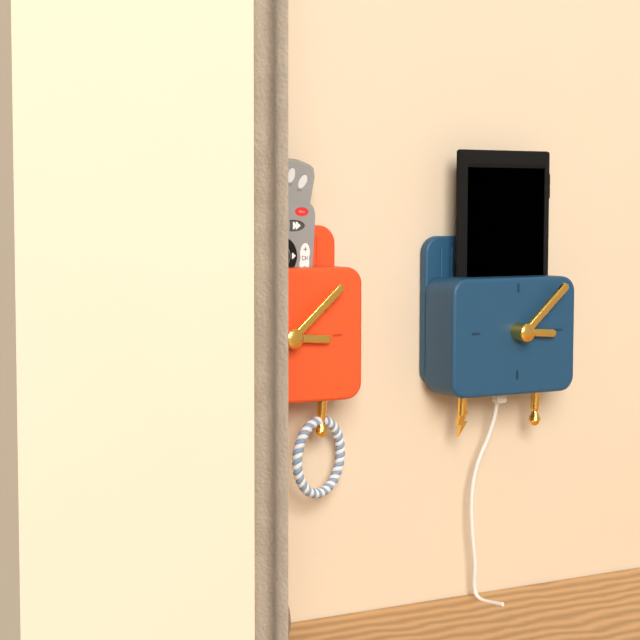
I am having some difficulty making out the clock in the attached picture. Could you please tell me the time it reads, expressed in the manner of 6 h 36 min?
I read 3 h 08 min
